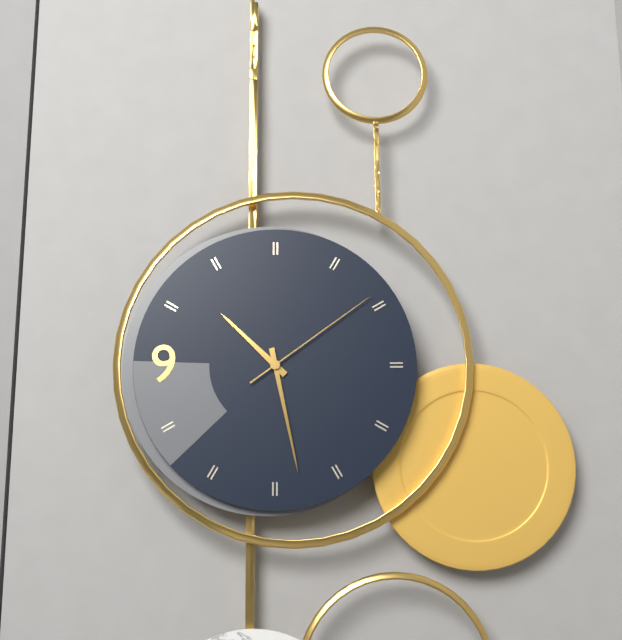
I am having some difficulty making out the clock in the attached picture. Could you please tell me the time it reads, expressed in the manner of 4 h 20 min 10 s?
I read 10 h 28 min 09 s
